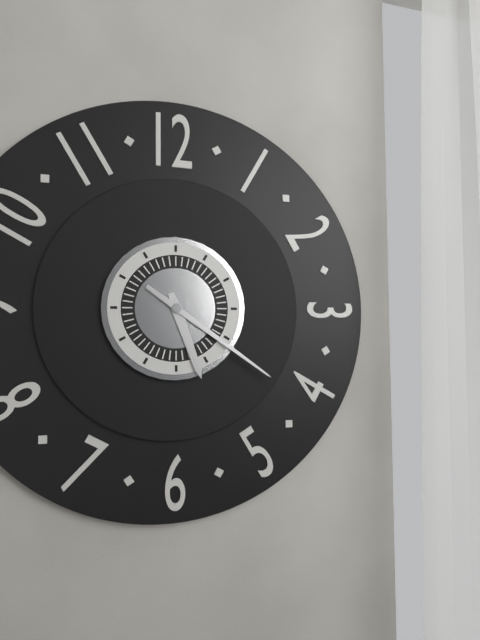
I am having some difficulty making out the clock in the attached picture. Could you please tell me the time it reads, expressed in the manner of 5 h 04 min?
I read 5 h 21 min
